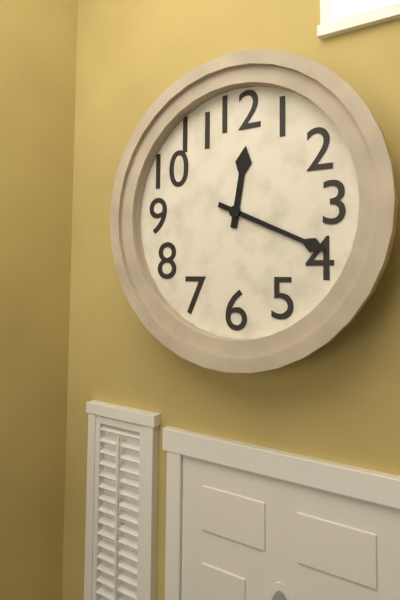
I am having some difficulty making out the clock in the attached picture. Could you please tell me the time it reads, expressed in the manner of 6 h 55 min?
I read 12 h 19 min
